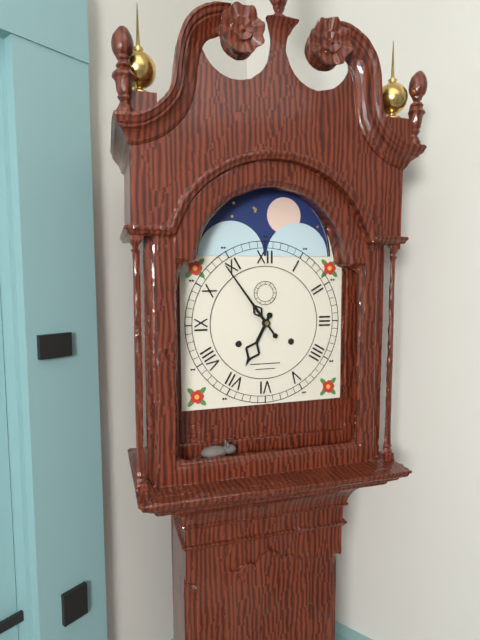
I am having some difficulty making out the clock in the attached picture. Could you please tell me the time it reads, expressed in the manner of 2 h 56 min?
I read 6 h 54 min
